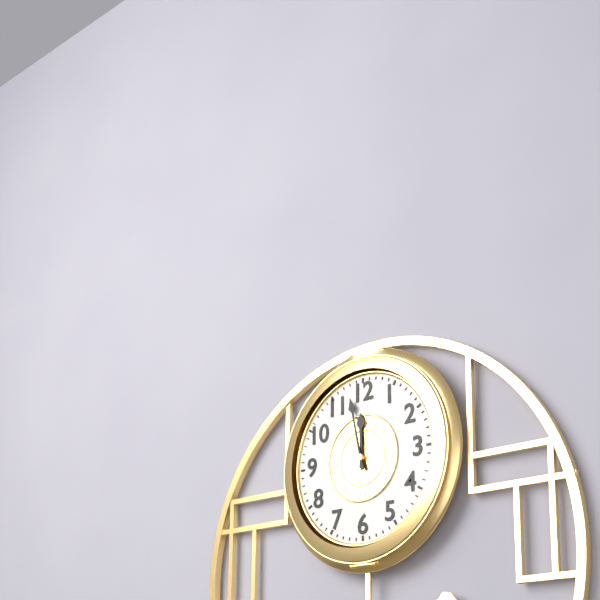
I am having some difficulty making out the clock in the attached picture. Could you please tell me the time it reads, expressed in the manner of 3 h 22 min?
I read 11 h 58 min
